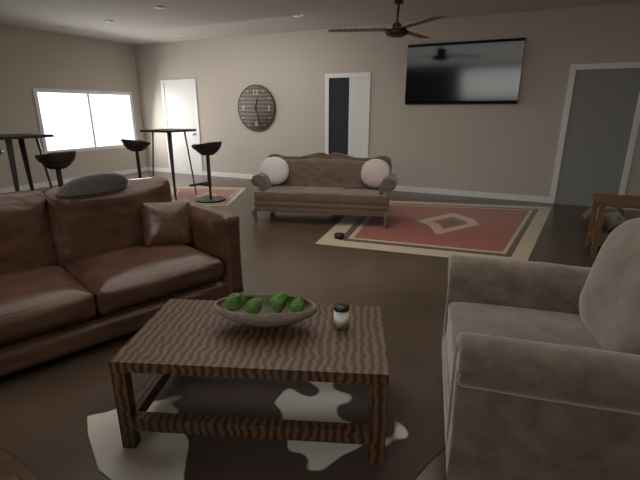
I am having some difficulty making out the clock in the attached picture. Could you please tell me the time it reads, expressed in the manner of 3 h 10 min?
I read 12 h 27 min
